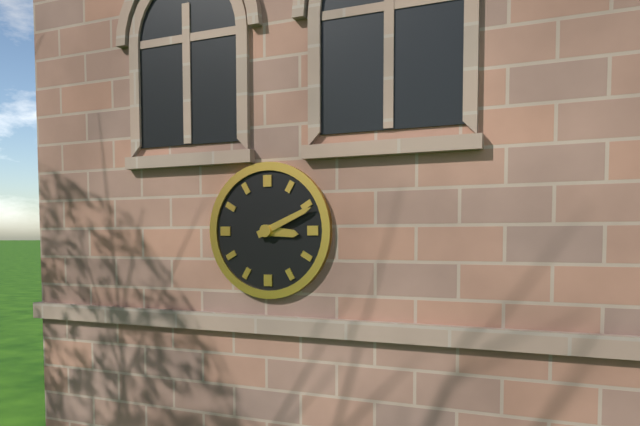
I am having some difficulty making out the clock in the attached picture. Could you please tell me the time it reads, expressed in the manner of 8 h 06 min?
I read 3 h 11 min
